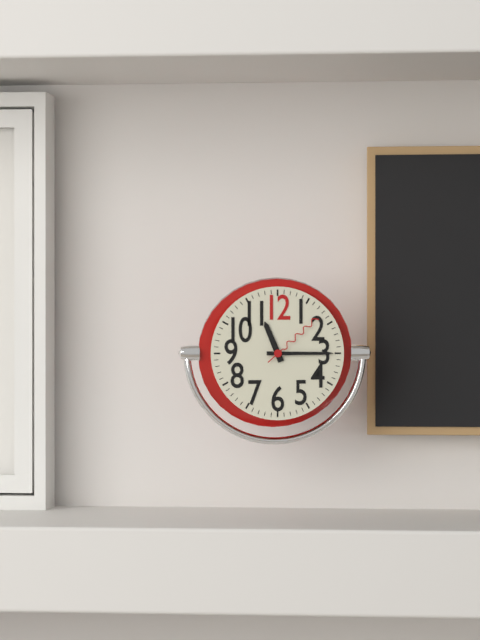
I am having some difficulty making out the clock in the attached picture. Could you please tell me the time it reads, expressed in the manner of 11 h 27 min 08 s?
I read 11 h 15 min 08 s
